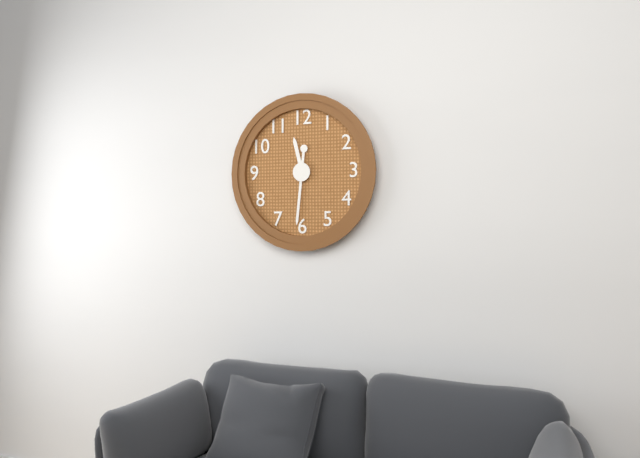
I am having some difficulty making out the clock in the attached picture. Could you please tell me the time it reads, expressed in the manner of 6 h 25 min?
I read 11 h 31 min
